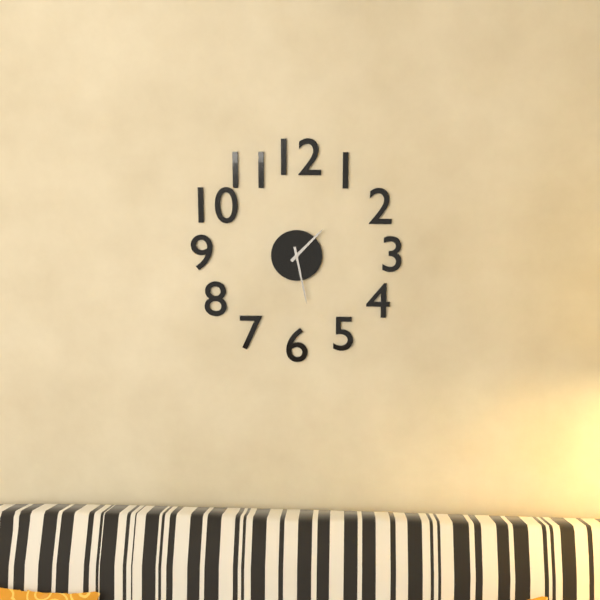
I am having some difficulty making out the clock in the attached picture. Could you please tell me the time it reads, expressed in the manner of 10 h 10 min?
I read 1 h 28 min
